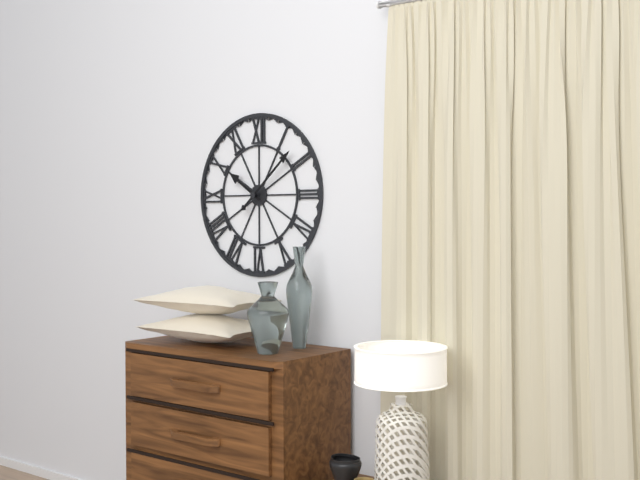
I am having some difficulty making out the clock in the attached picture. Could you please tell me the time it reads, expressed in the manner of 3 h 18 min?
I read 10 h 08 min
